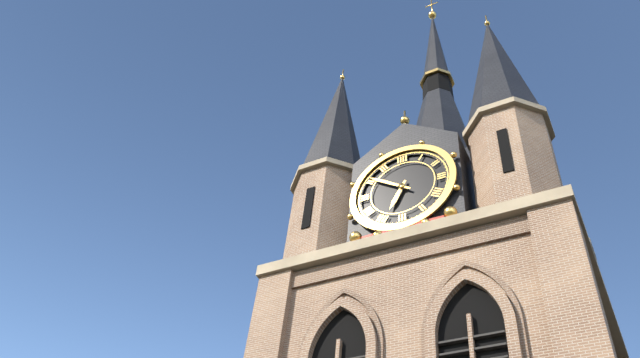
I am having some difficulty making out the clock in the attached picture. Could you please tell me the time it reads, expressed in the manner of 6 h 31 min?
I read 6 h 51 min
